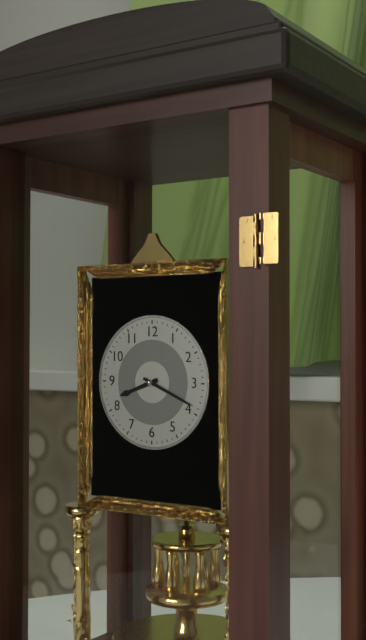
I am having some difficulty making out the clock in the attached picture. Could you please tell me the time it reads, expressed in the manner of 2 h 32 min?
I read 8 h 19 min
